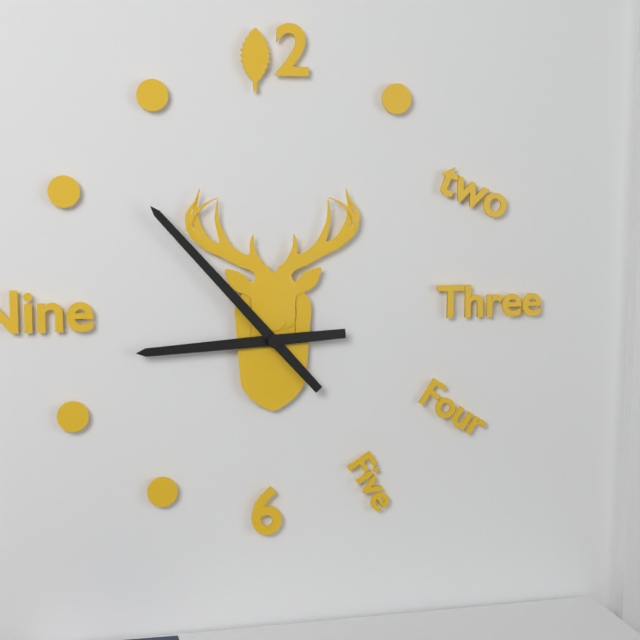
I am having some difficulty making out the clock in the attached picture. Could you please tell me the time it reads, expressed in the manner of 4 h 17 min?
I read 8 h 53 min
